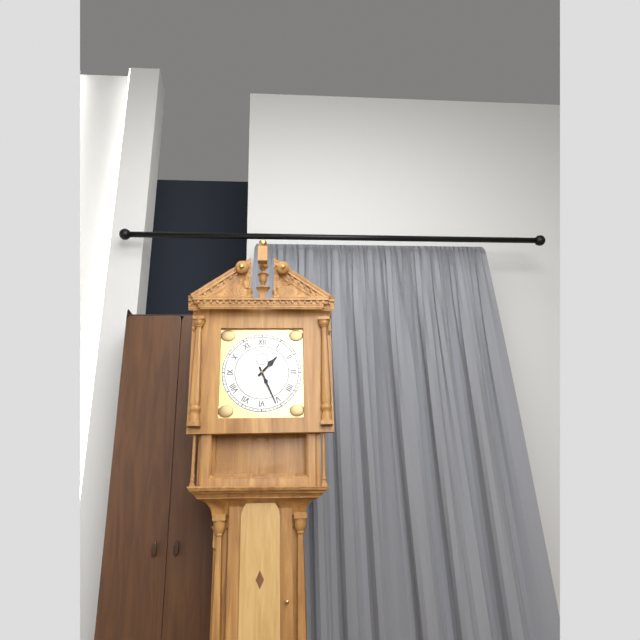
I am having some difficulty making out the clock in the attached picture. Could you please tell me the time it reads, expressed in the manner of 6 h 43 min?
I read 1 h 26 min
